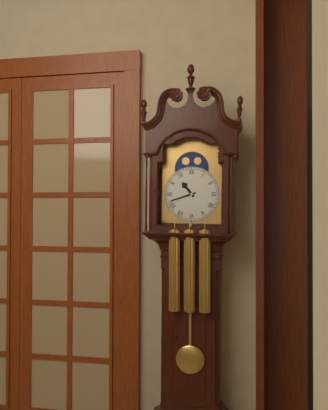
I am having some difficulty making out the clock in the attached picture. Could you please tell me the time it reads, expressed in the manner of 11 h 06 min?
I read 10 h 42 min
